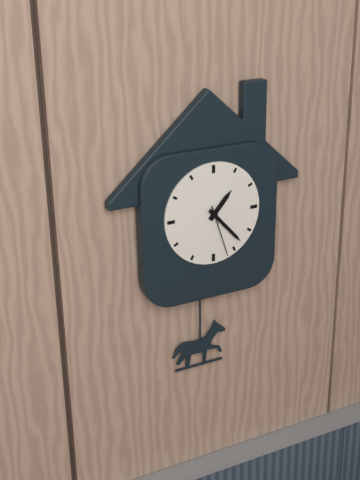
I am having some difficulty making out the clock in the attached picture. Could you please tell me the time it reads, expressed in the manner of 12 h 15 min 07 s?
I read 1 h 23 min 27 s
